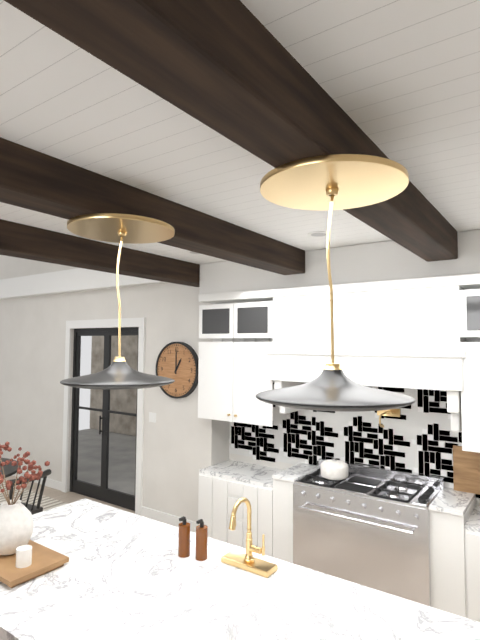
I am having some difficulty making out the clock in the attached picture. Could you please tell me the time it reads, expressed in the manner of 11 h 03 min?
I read 1 h 00 min
